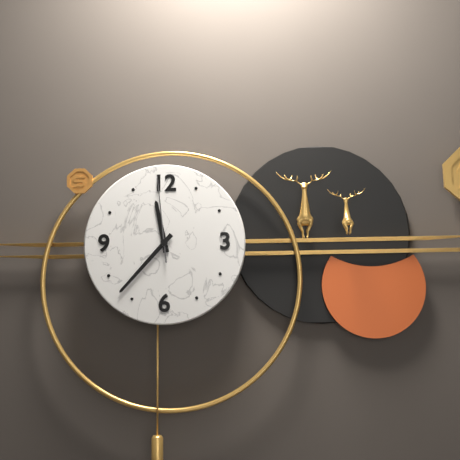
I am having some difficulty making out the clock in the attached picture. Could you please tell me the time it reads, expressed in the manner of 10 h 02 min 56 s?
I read 11 h 37 min 59 s
